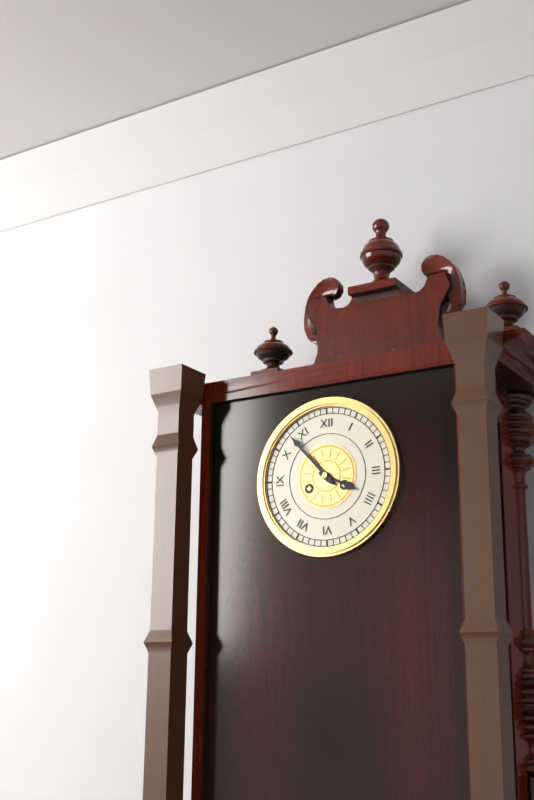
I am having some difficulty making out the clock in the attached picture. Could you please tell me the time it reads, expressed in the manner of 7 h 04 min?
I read 3 h 53 min
